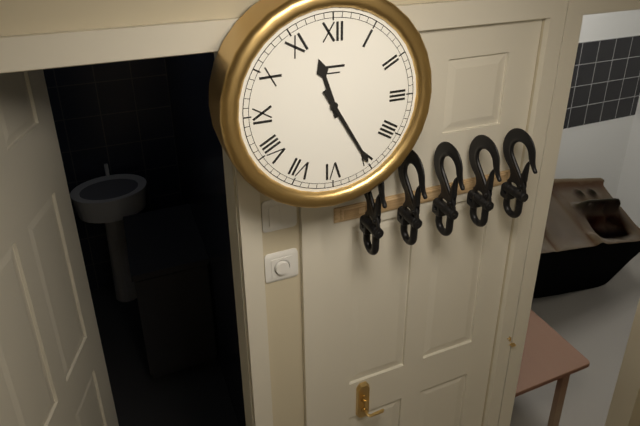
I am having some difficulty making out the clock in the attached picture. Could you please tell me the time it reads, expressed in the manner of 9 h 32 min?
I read 11 h 25 min
